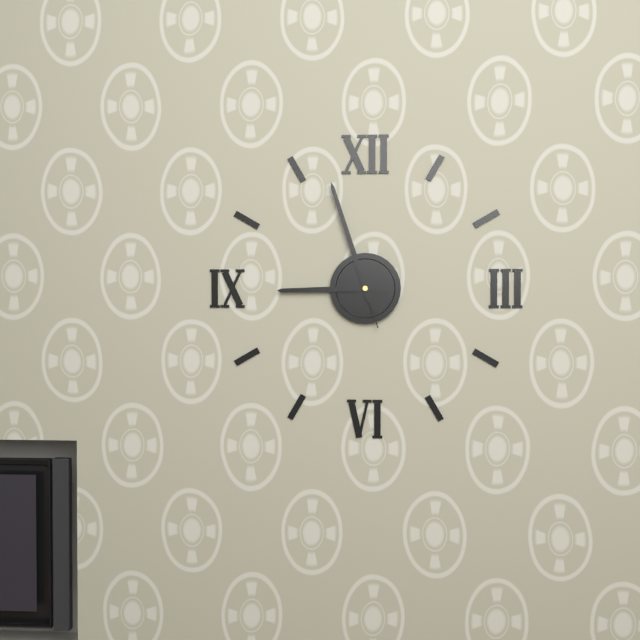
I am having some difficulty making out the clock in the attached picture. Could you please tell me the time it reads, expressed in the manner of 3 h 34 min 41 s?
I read 8 h 57 min 57 s
